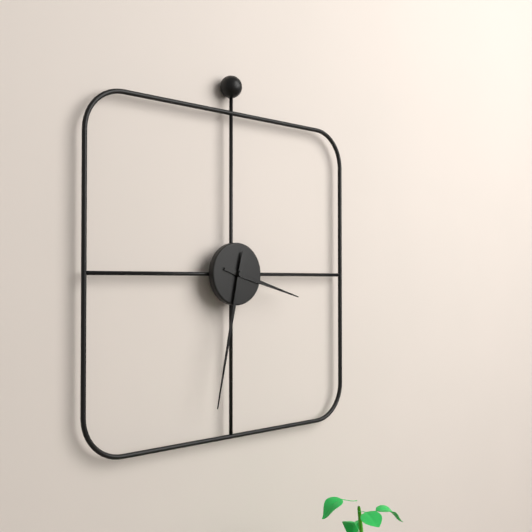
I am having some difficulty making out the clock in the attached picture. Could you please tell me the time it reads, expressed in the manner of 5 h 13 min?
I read 3 h 32 min
